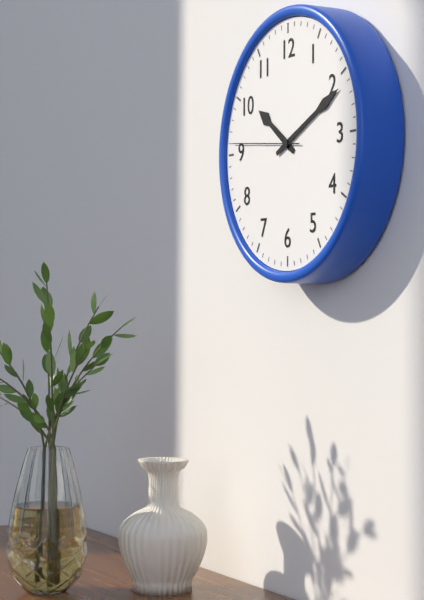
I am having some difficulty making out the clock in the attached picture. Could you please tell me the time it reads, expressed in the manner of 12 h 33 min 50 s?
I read 10 h 11 min 46 s
